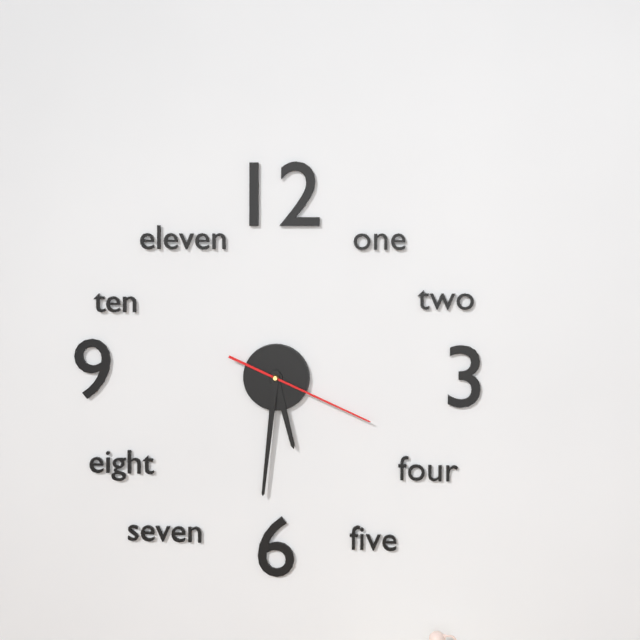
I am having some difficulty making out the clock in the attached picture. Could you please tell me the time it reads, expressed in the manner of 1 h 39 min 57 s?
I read 5 h 31 min 19 s
